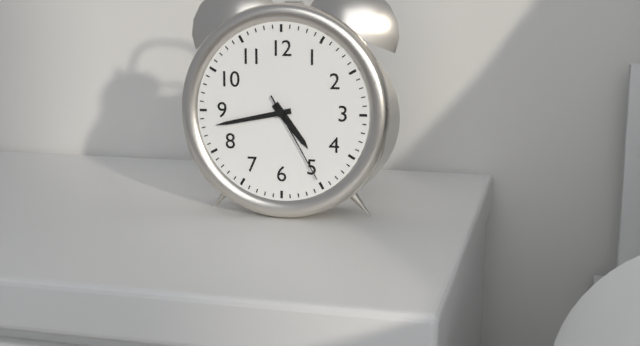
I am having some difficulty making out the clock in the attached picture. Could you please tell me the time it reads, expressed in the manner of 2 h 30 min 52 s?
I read 4 h 43 min 25 s
